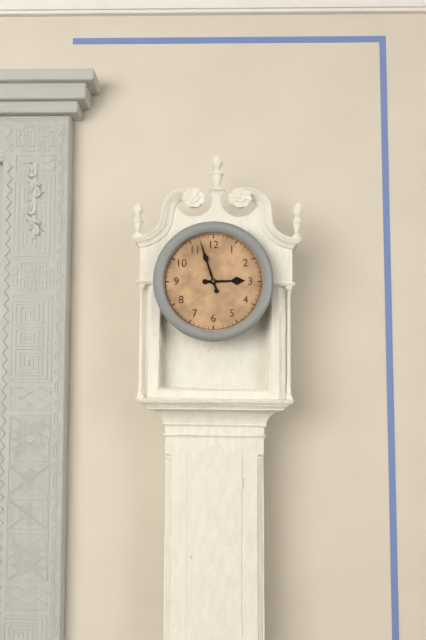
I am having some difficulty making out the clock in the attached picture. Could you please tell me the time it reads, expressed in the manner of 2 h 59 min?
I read 2 h 57 min
